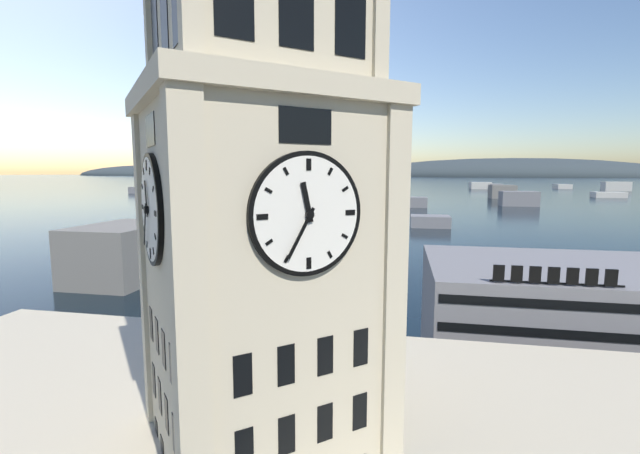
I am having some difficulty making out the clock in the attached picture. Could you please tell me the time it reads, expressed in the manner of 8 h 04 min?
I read 11 h 35 min
